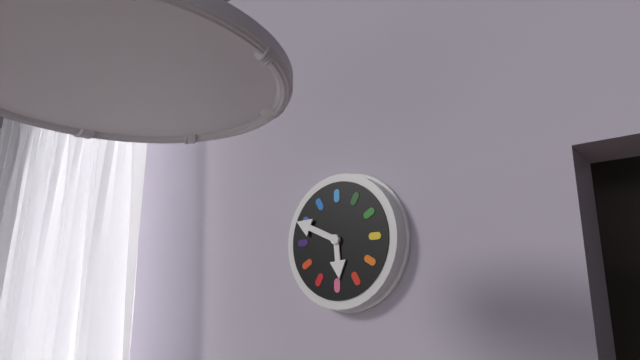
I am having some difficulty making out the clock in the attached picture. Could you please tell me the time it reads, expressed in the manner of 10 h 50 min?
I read 5 h 49 min
